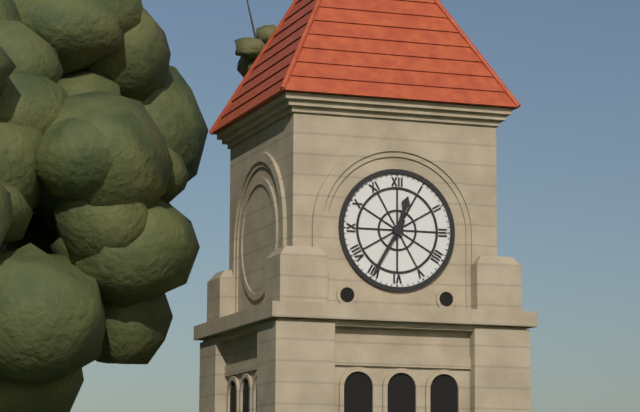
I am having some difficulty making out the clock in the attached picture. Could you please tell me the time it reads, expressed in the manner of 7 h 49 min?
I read 12 h 35 min
